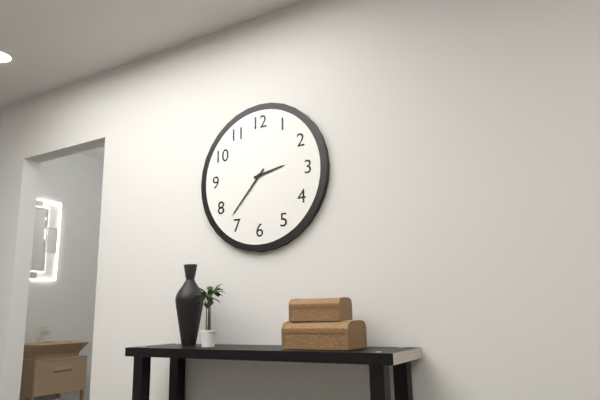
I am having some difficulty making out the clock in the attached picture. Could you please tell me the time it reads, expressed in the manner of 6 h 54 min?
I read 2 h 37 min
